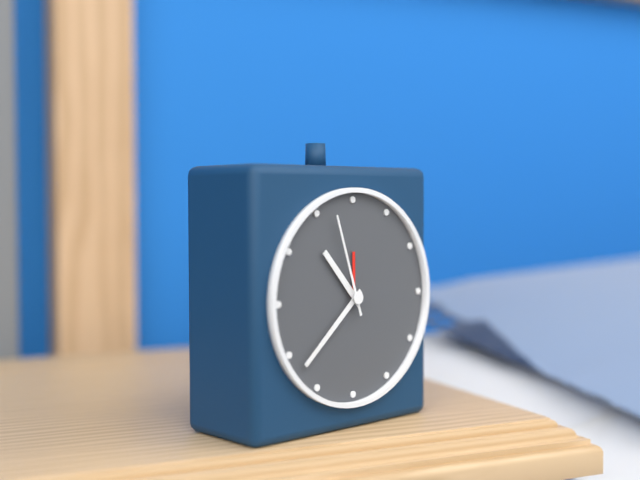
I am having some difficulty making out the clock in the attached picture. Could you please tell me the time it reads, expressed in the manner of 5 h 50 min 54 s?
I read 10 h 38 min 57 s
